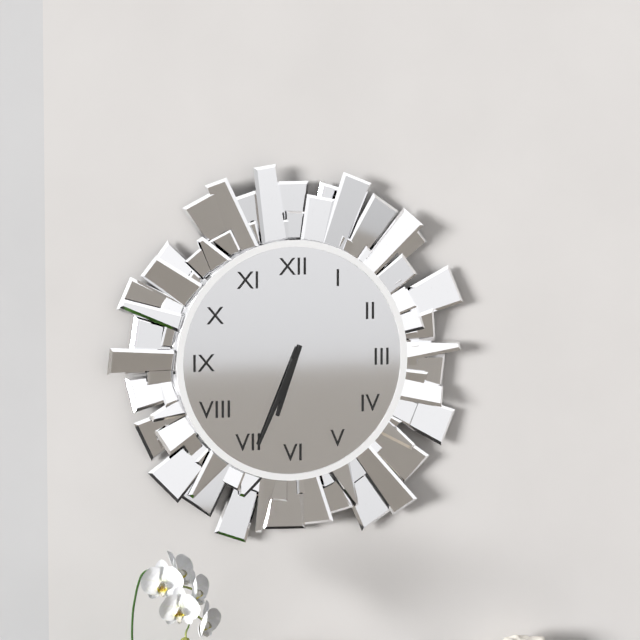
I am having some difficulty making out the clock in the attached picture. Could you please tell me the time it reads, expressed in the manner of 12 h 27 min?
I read 6 h 34 min
